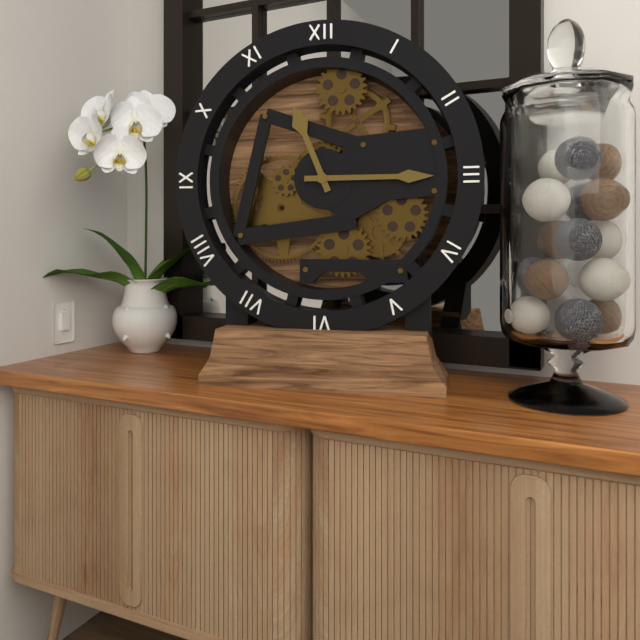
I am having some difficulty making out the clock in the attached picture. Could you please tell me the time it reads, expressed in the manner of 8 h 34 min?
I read 11 h 15 min
